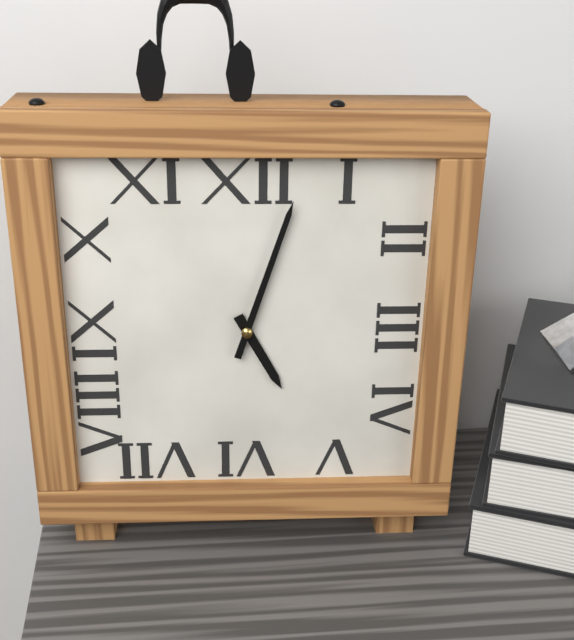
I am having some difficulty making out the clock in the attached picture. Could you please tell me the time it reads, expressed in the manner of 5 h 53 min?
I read 5 h 03 min
